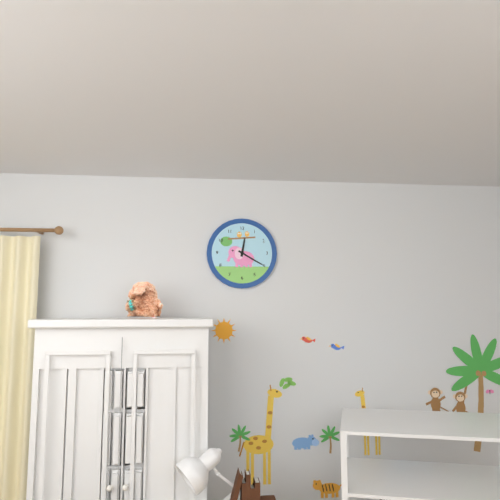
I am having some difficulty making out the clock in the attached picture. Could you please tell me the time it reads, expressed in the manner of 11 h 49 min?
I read 12 h 20 min
